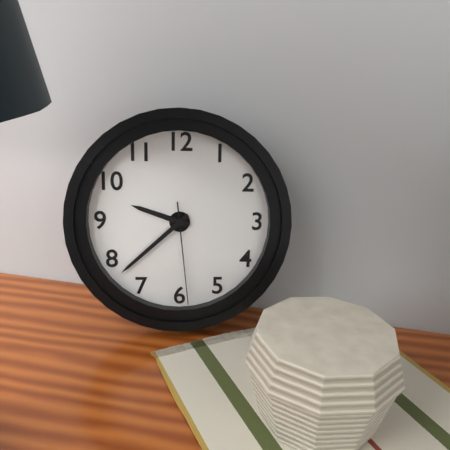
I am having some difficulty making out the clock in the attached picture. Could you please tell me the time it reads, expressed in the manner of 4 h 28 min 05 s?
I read 9 h 38 min 29 s
